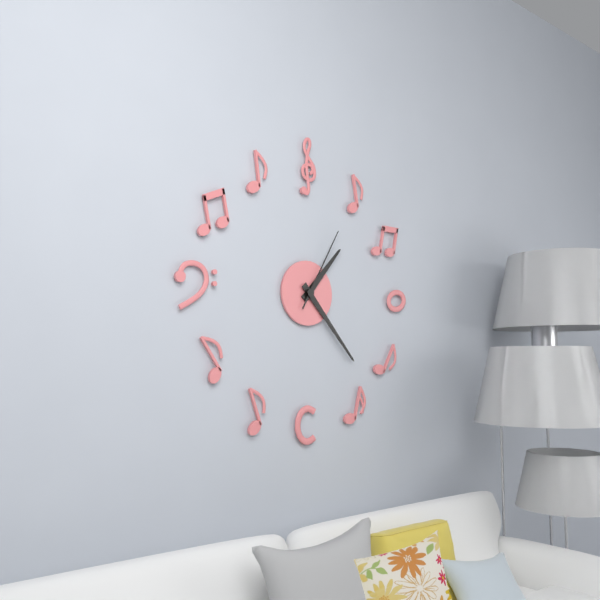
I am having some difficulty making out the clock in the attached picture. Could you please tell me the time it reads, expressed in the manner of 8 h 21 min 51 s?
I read 1 h 23 min 05 s
